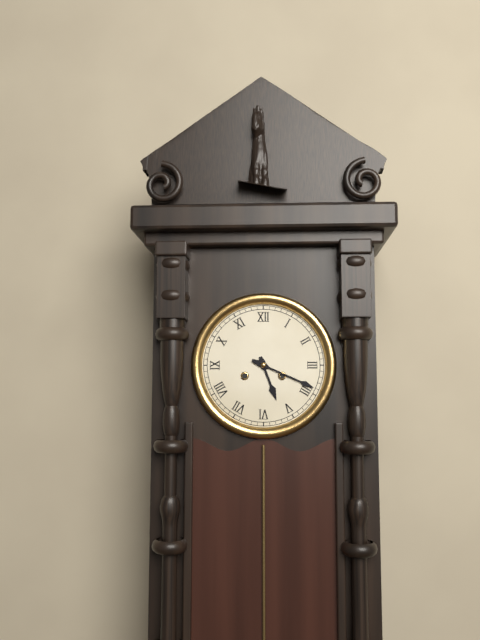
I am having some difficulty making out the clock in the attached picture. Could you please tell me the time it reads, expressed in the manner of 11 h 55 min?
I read 5 h 19 min
